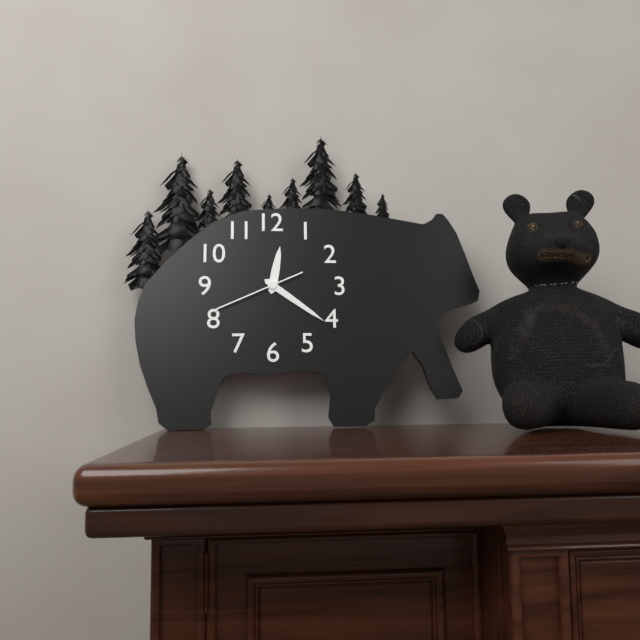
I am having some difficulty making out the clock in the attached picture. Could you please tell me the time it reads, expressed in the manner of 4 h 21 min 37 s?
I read 12 h 21 min 41 s
